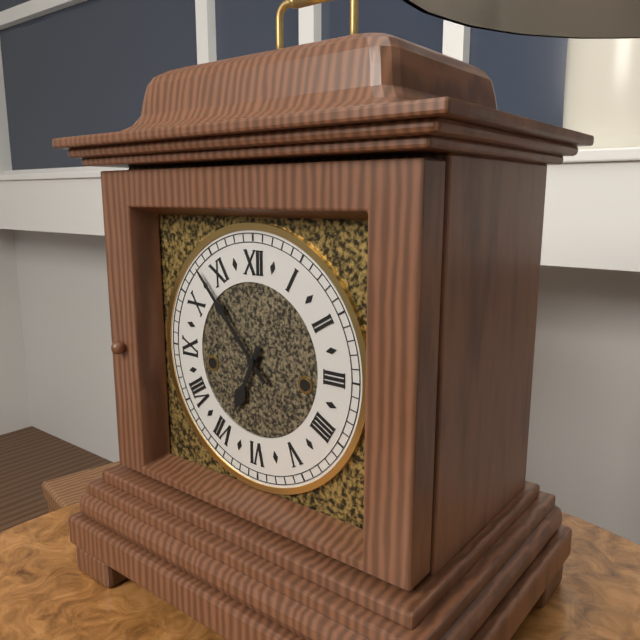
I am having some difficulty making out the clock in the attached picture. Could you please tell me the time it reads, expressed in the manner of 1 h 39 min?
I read 6 h 53 min
